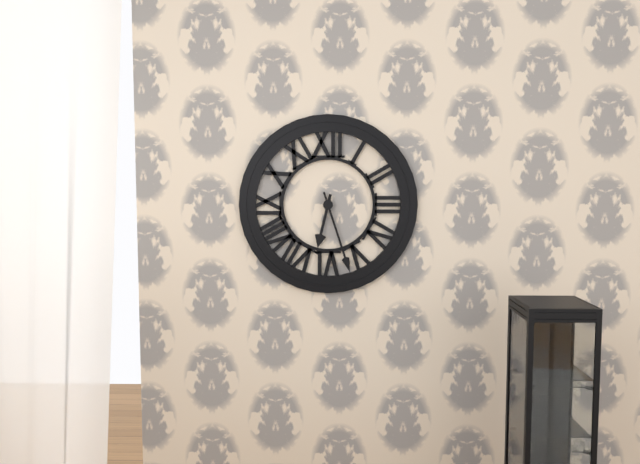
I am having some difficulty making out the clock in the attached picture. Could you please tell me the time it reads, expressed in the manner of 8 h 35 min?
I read 6 h 27 min
